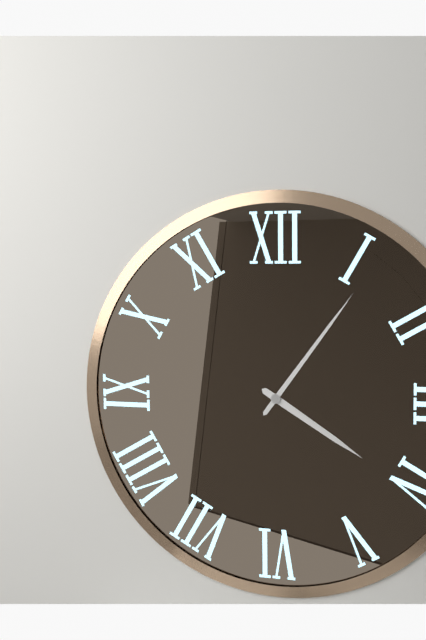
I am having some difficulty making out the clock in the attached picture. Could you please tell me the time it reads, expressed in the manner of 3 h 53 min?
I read 4 h 06 min
